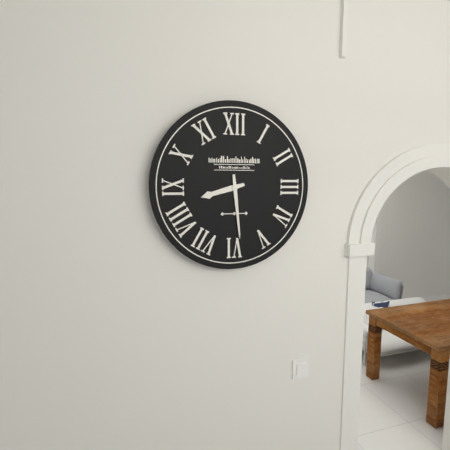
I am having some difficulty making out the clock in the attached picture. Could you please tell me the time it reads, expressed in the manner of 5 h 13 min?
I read 8 h 29 min
